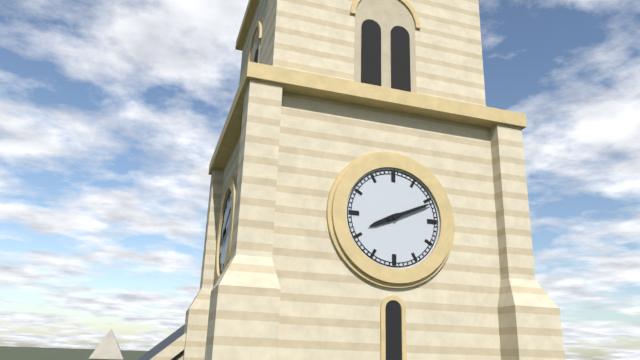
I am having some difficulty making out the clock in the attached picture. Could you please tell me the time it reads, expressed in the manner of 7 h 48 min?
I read 8 h 11 min
